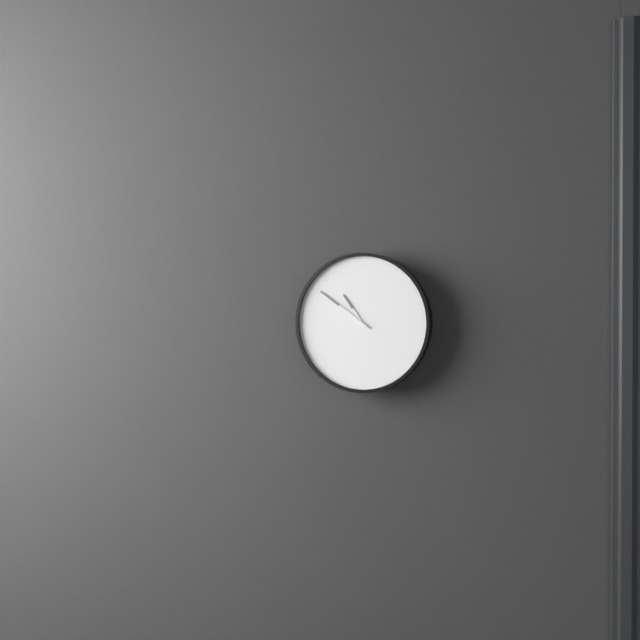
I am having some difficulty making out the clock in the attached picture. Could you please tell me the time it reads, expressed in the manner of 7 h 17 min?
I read 10 h 51 min
